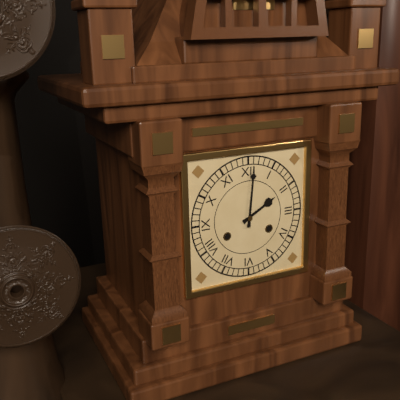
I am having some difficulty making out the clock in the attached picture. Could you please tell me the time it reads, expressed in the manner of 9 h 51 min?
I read 2 h 01 min
